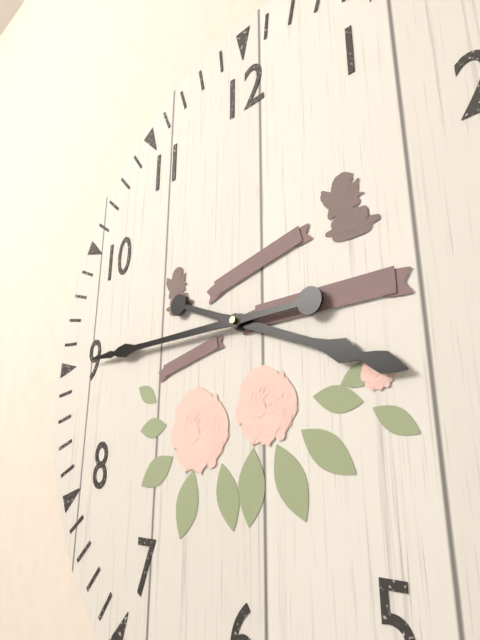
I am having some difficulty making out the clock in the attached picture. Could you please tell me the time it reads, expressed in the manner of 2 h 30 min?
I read 3 h 45 min
